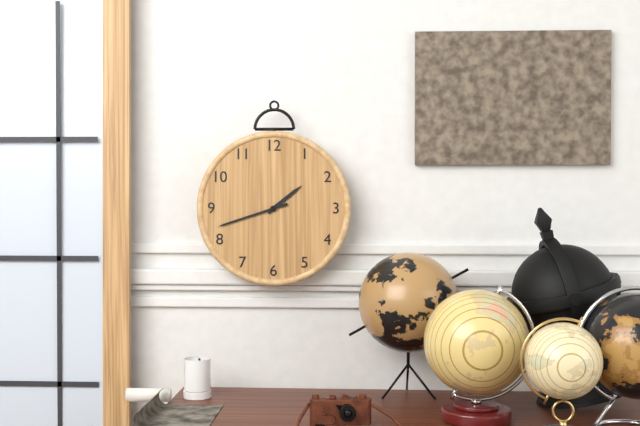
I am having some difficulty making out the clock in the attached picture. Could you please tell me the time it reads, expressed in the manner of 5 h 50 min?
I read 1 h 42 min
